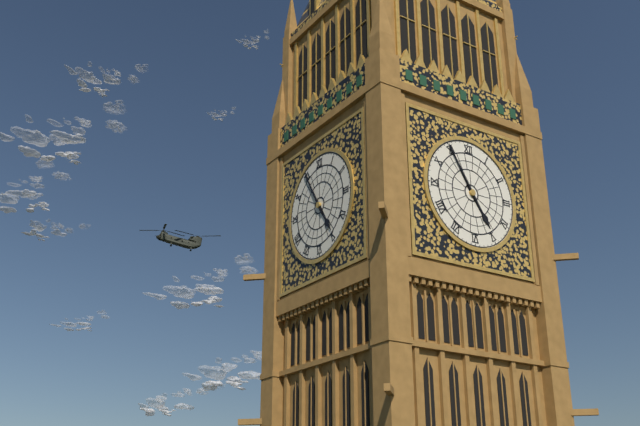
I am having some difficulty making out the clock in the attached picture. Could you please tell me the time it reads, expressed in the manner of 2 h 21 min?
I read 4 h 55 min
